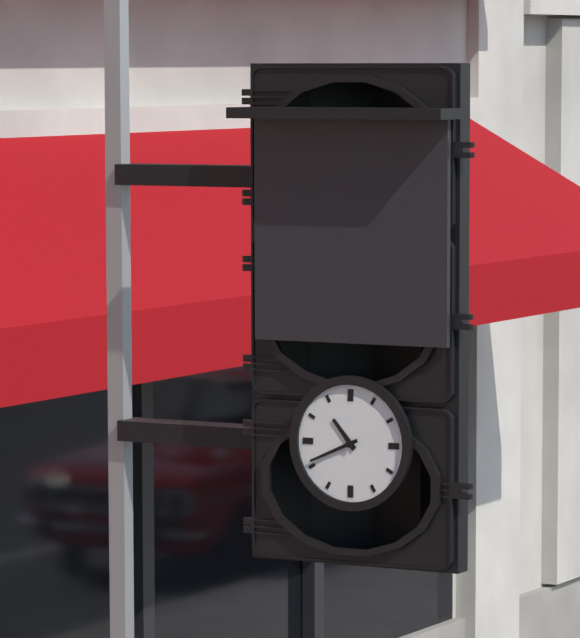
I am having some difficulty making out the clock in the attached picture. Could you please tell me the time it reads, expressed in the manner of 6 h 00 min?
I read 10 h 41 min
